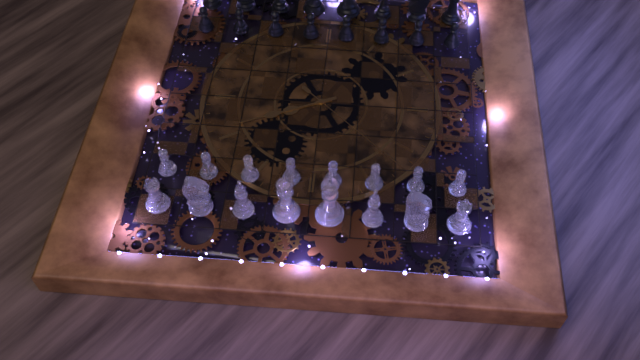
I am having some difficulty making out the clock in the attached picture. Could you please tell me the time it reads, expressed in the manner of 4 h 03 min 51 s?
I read 2 h 11 min 52 s
